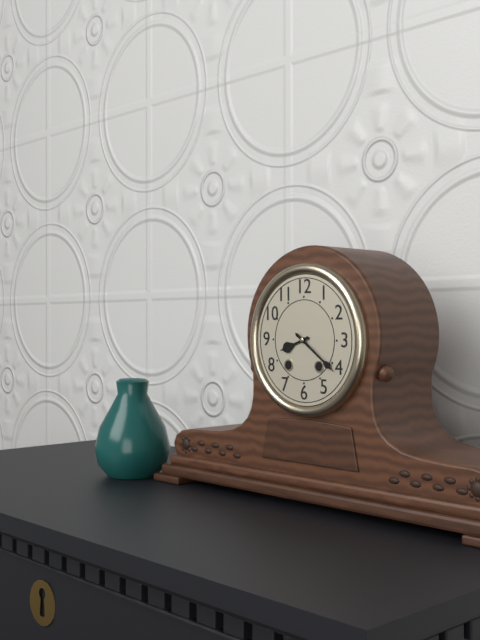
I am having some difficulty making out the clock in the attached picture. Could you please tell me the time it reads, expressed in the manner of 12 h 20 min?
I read 8 h 21 min
